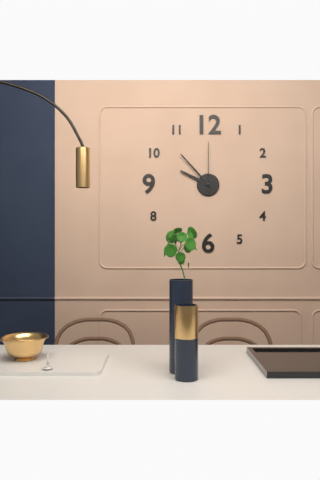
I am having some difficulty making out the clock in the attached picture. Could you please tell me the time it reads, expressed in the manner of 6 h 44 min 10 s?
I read 9 h 53 min 00 s
